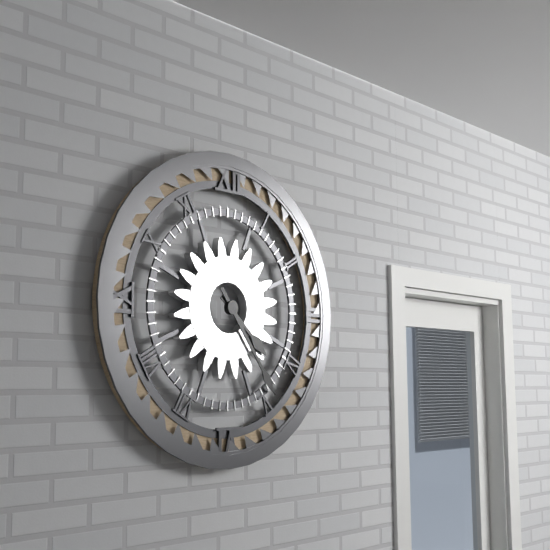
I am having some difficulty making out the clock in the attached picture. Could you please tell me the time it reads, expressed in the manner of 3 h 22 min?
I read 4 h 24 min
